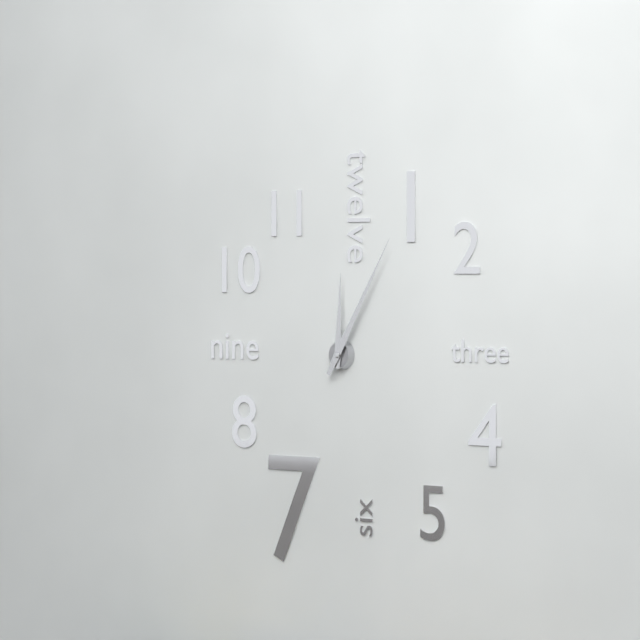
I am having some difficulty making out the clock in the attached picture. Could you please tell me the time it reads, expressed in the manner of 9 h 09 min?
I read 12 h 05 min
